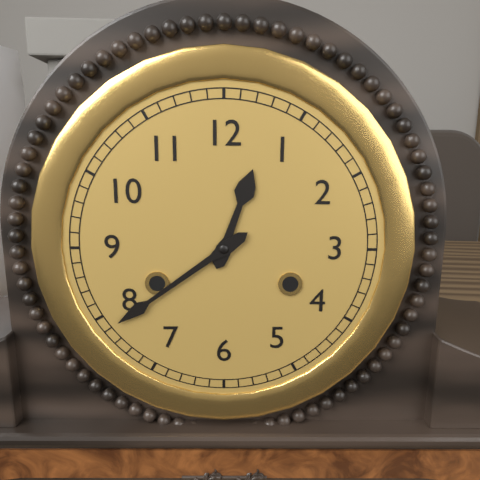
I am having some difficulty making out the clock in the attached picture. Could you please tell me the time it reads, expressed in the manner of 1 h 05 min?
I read 12 h 39 min
